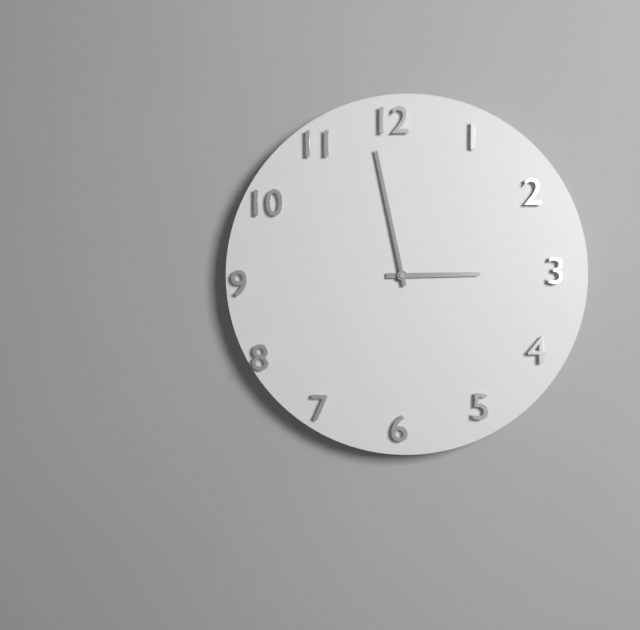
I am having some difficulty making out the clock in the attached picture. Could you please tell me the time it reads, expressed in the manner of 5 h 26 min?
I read 2 h 58 min
